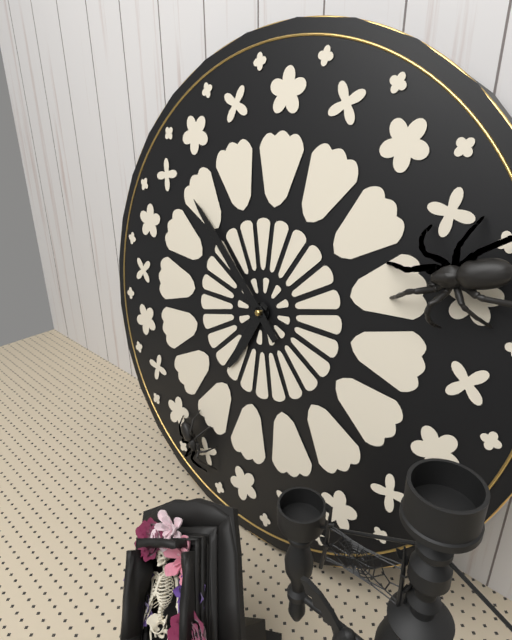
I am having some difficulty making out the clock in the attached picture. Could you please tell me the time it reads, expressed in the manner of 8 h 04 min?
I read 6 h 52 min
